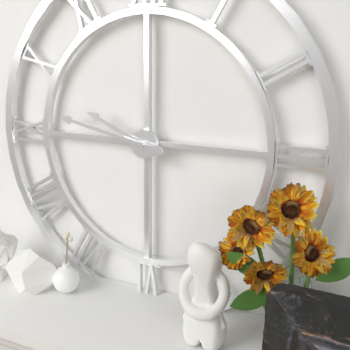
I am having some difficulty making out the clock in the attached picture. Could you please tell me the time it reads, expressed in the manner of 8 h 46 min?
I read 9 h 47 min
